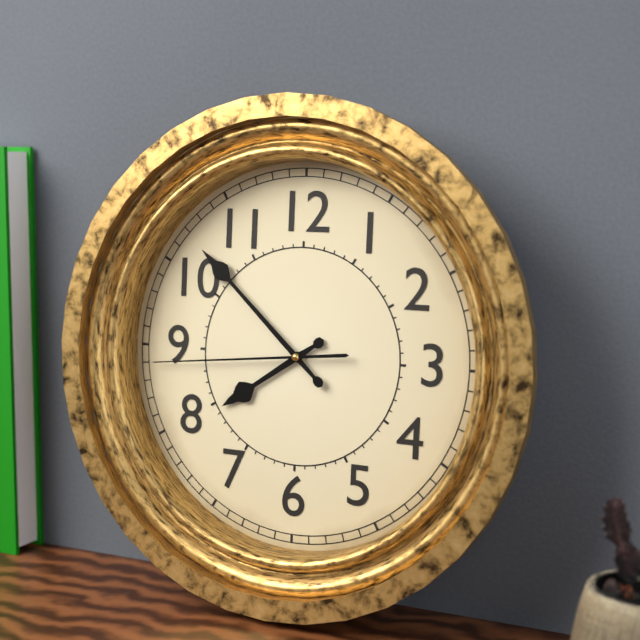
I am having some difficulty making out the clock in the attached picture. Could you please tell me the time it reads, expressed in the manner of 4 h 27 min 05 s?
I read 7 h 52 min 44 s
